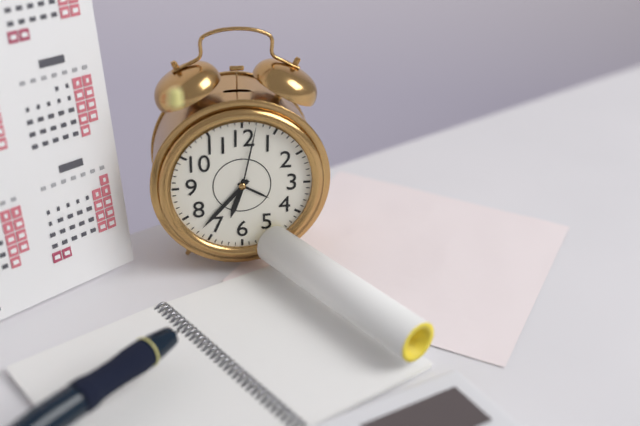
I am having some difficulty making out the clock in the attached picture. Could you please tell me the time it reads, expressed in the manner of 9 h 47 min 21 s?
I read 6 h 37 min 02 s
